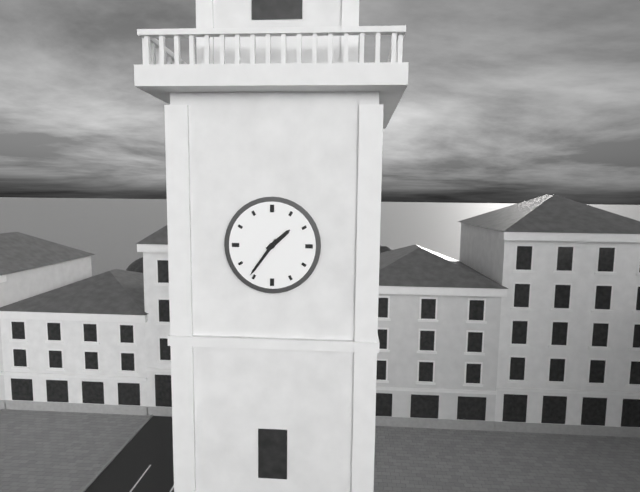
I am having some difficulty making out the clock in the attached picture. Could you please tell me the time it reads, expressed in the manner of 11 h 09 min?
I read 1 h 36 min
